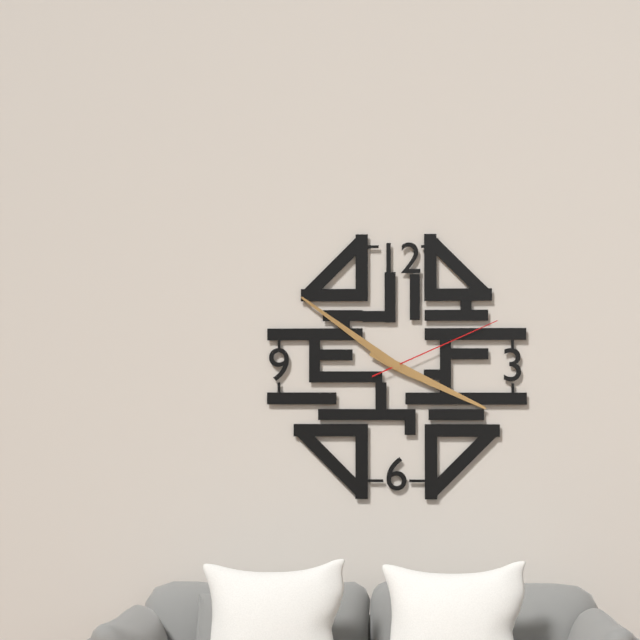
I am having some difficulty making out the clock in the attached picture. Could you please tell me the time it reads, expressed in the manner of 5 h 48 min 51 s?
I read 3 h 51 min 11 s
